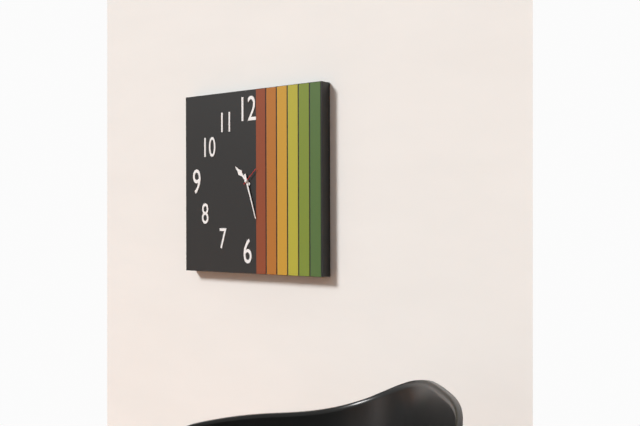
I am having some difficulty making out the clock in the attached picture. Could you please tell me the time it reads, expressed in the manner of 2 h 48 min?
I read 10 h 27 min
